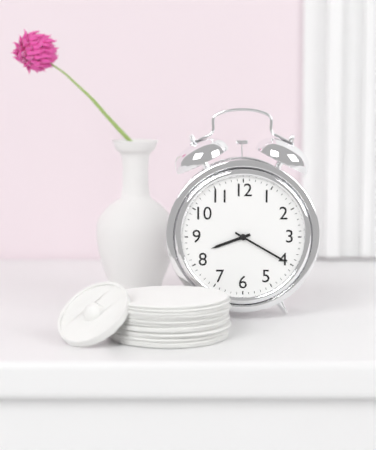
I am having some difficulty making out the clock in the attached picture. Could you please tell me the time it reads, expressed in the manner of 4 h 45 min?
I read 8 h 20 min
